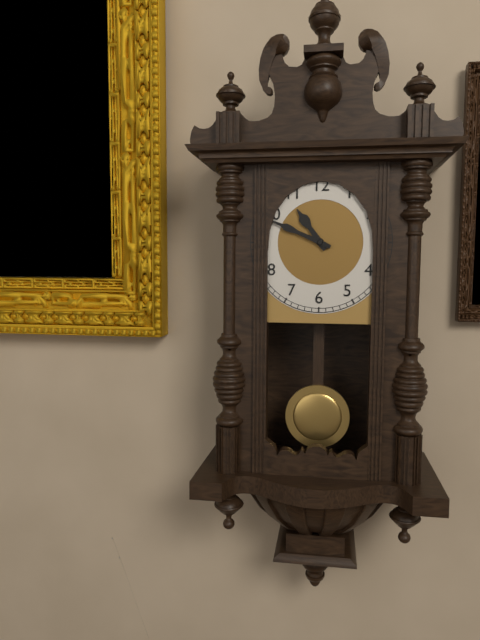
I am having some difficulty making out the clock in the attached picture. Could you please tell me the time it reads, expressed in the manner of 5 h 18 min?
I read 10 h 49 min
